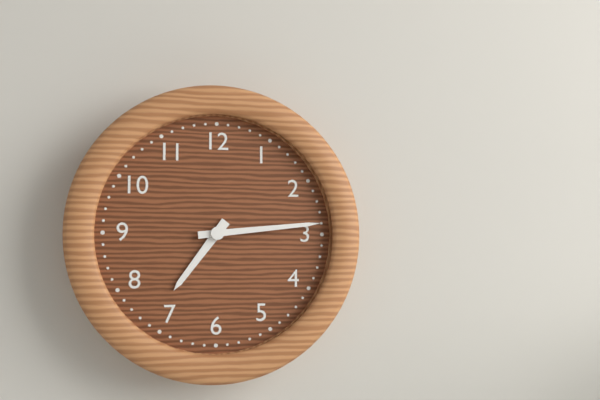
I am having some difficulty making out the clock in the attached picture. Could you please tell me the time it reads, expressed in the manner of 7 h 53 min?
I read 7 h 14 min
